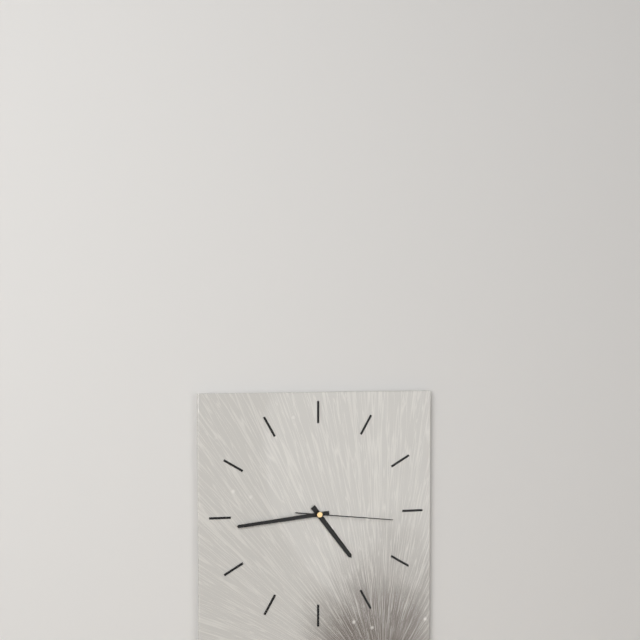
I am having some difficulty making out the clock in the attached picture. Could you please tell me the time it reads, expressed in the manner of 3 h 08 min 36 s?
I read 4 h 44 min 16 s
